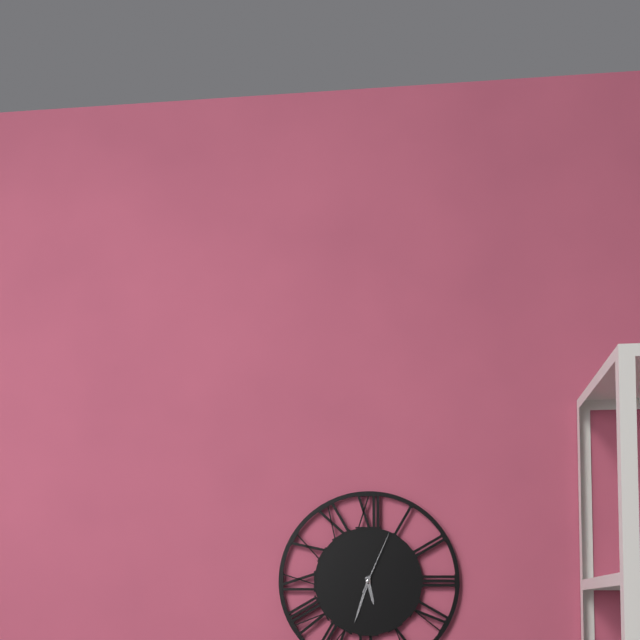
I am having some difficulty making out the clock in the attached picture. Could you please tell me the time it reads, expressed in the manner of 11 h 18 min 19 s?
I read 5 h 33 min 04 s
